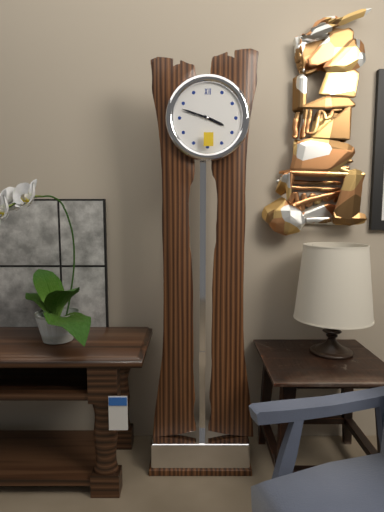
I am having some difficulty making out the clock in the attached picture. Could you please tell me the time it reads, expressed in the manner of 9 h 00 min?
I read 3 h 48 min
